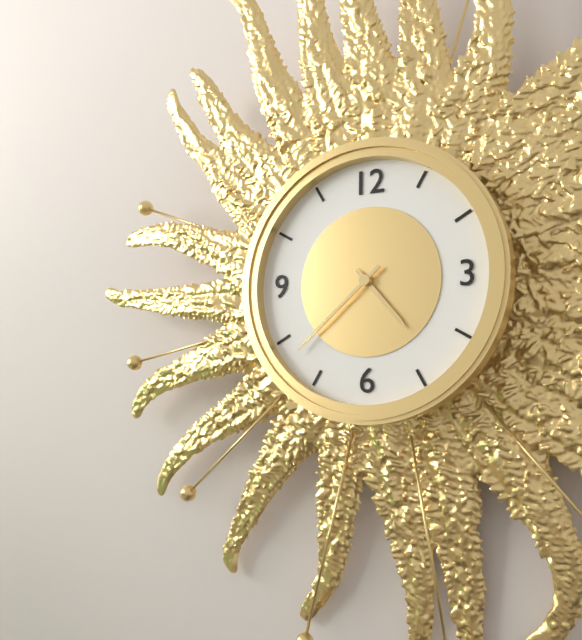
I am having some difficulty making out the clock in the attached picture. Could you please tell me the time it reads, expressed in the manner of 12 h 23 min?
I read 4 h 38 min
